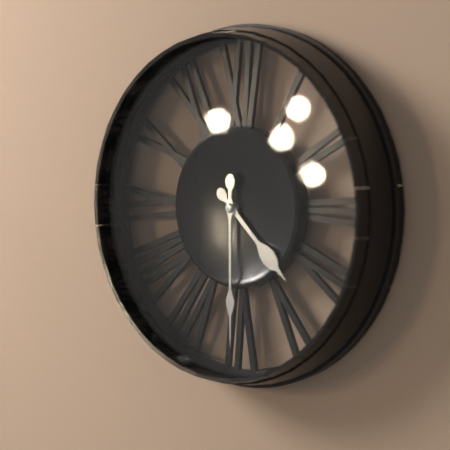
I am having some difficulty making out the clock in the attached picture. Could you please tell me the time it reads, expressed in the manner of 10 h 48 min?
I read 4 h 30 min
